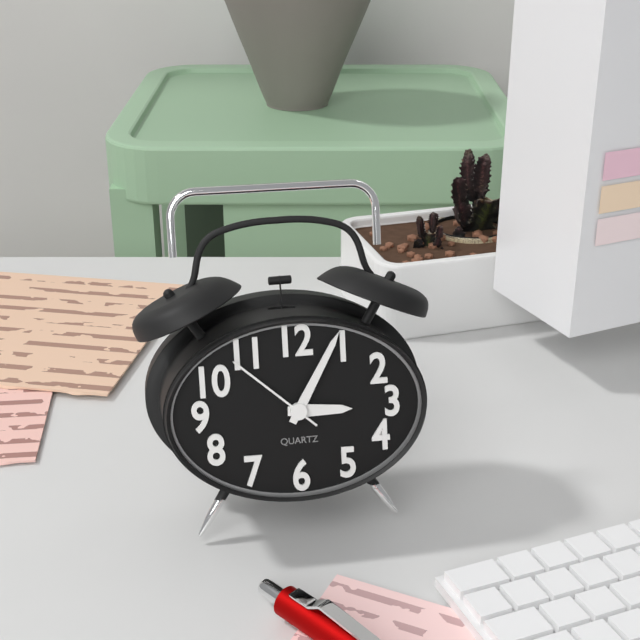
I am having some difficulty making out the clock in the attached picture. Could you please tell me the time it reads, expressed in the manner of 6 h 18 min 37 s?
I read 3 h 05 min 52 s
